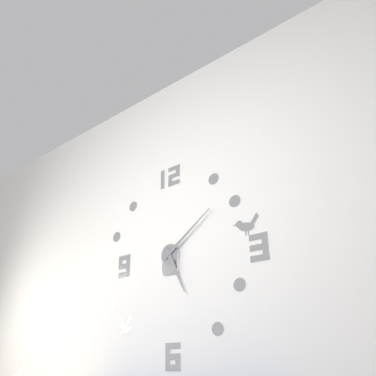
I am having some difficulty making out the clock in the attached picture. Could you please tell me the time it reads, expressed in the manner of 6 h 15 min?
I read 5 h 09 min
